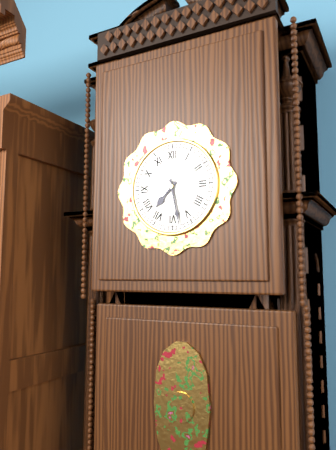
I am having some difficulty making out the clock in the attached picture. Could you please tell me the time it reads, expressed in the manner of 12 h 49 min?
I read 7 h 28 min
